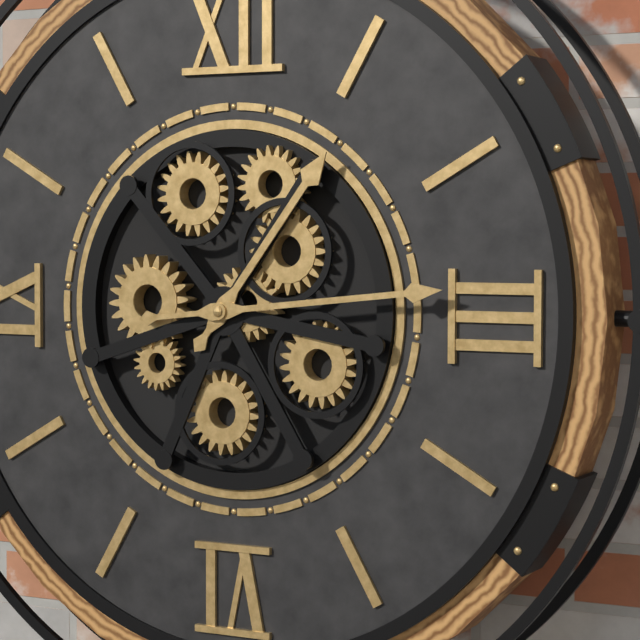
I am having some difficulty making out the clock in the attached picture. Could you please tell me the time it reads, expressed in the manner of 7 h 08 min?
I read 1 h 14 min
